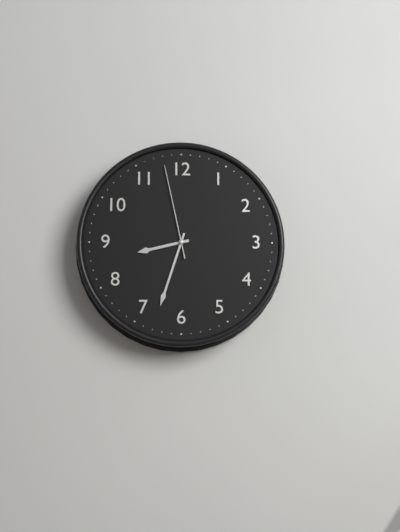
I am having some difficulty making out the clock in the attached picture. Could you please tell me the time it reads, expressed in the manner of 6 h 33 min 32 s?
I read 8 h 33 min 58 s
